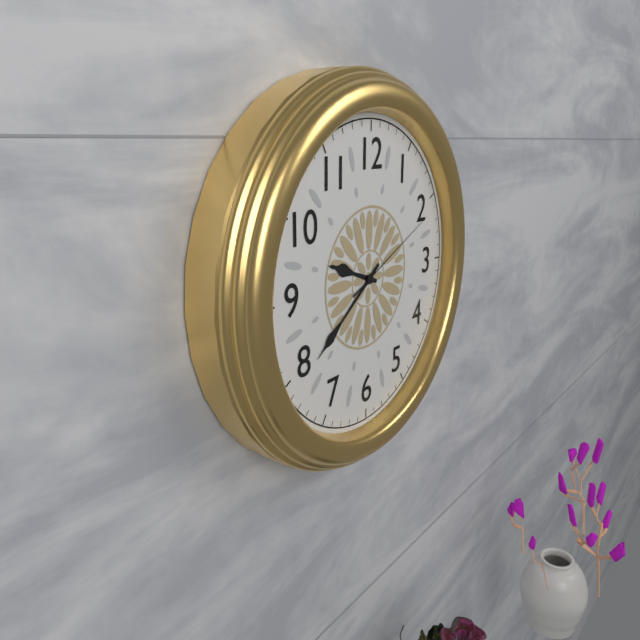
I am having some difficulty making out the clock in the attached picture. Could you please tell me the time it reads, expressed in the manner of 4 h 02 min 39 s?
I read 9 h 39 min 11 s
